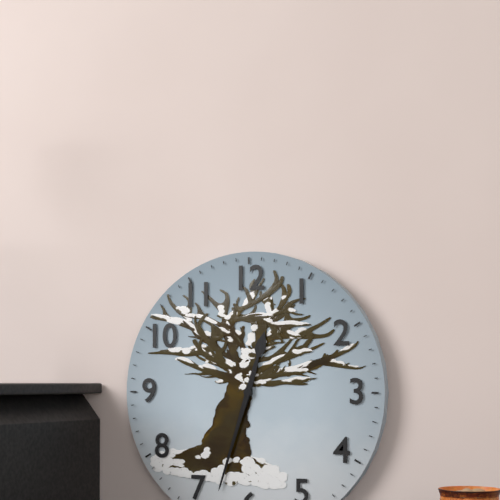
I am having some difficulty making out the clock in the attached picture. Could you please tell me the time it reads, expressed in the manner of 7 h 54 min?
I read 12 h 33 min
